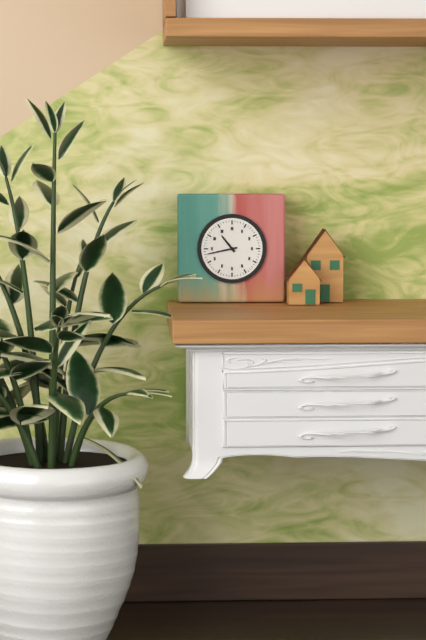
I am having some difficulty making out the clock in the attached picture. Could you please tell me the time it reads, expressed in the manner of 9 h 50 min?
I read 10 h 43 min
